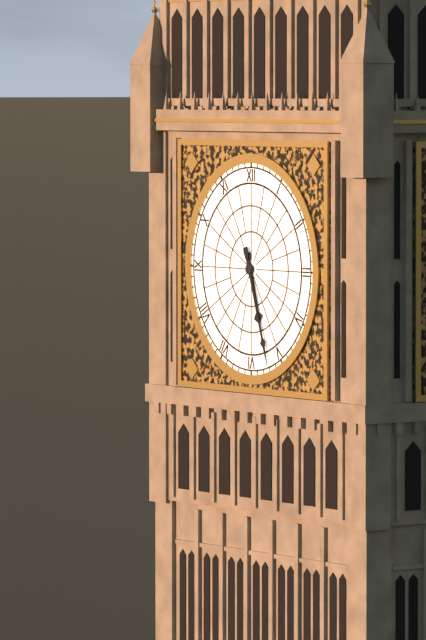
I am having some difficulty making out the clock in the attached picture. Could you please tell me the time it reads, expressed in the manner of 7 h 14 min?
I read 5 h 27 min
